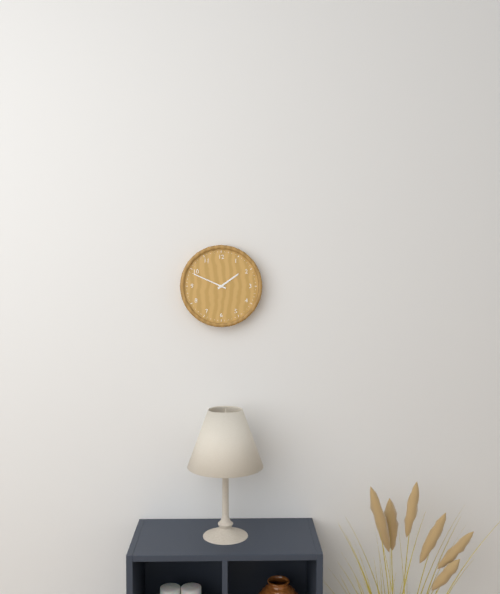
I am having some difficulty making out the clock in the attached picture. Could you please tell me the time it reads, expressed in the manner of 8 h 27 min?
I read 1 h 49 min
